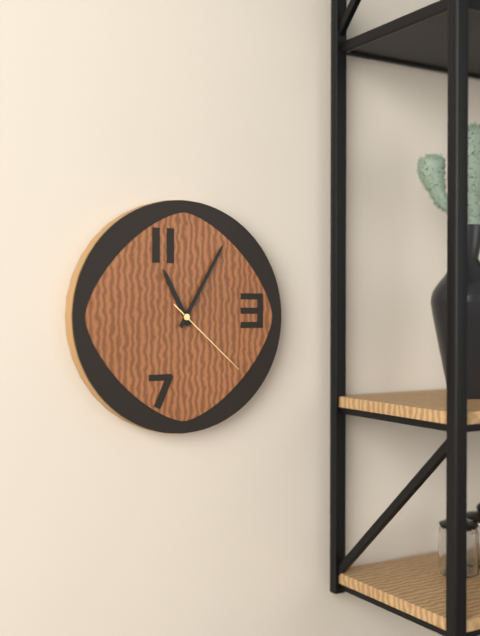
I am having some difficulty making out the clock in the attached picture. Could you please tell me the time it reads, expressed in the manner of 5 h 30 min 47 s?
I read 11 h 05 min 22 s
